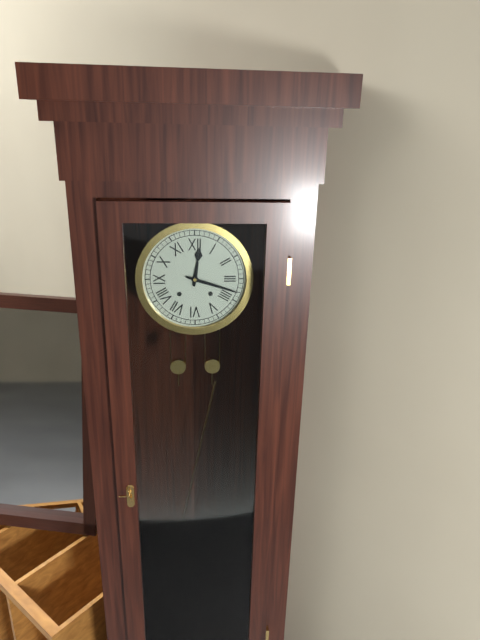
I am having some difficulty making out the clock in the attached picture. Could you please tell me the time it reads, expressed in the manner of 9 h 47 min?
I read 12 h 18 min
